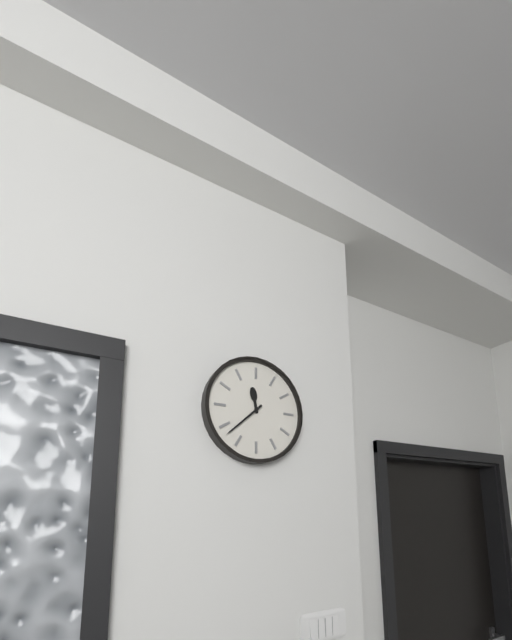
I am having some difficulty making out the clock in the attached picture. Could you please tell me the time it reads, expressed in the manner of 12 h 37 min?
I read 11 h 38 min
